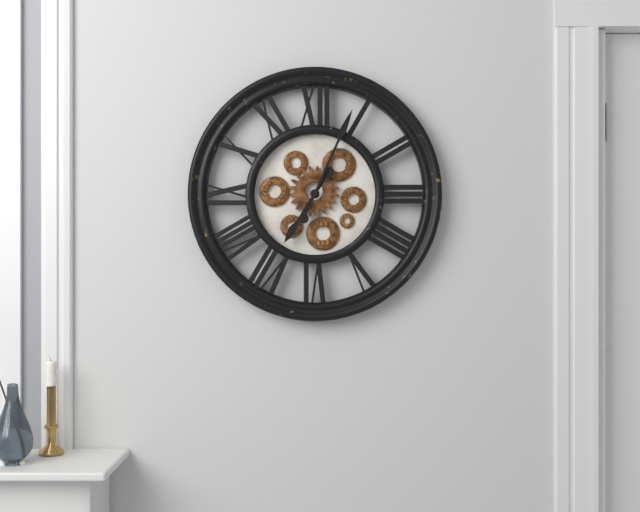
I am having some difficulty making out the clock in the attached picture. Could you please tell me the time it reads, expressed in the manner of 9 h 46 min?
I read 7 h 04 min
